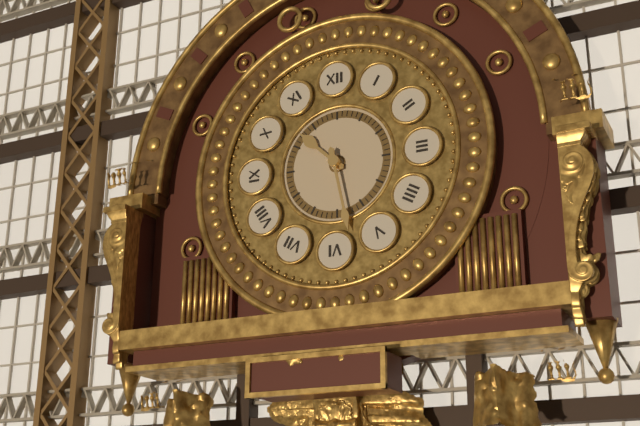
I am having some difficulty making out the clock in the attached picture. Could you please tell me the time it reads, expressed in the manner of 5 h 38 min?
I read 10 h 28 min
